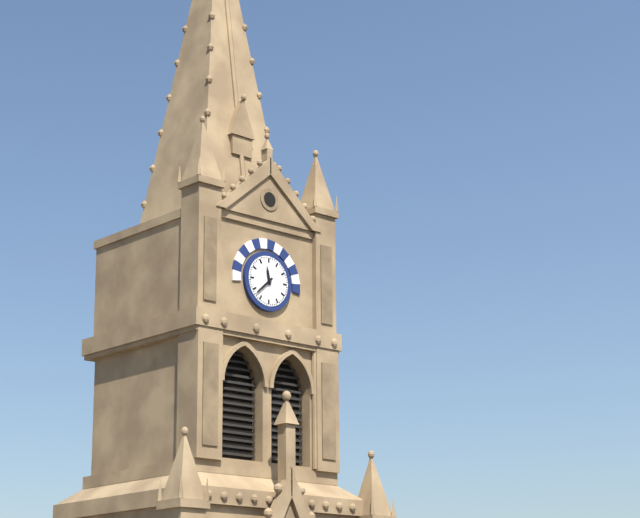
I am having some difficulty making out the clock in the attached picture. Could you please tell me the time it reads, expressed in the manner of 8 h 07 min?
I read 11 h 38 min
